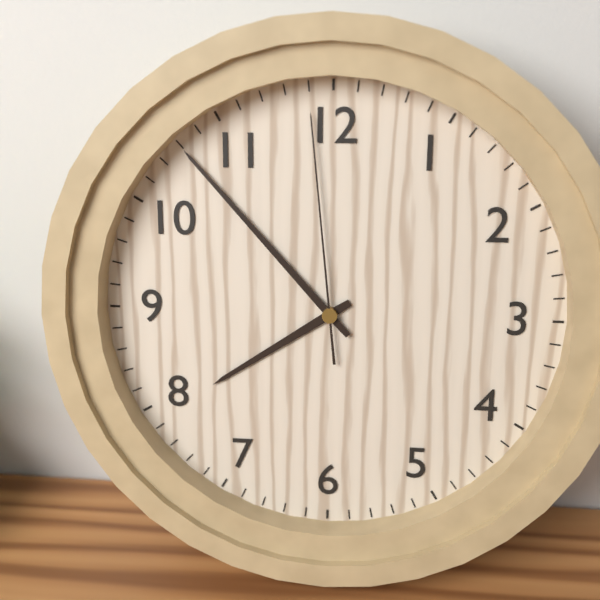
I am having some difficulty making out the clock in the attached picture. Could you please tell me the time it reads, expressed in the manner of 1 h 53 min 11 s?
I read 7 h 53 min 59 s
